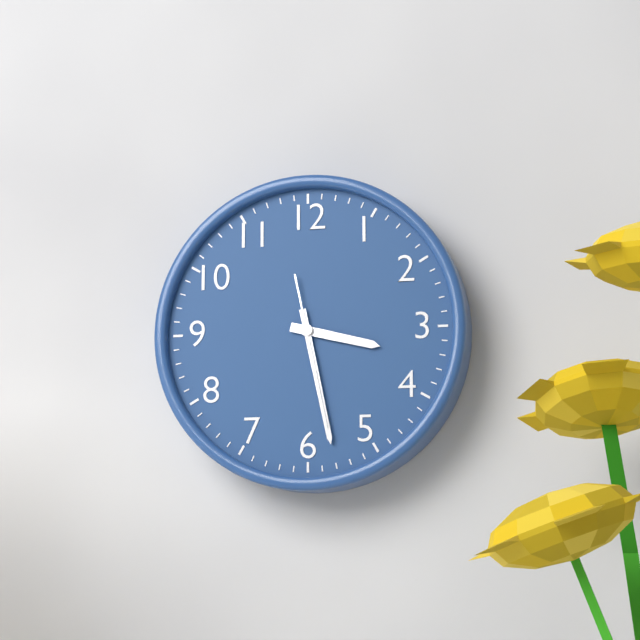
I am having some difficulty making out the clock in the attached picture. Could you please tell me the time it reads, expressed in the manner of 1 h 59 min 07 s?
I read 3 h 28 min 28 s
